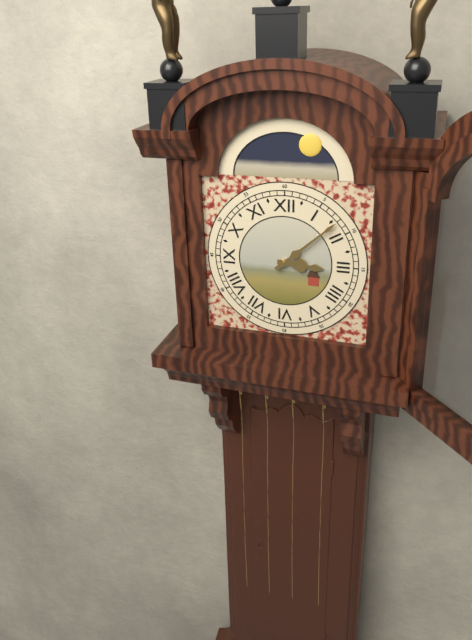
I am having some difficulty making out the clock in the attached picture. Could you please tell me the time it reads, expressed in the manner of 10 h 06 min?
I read 3 h 08 min
